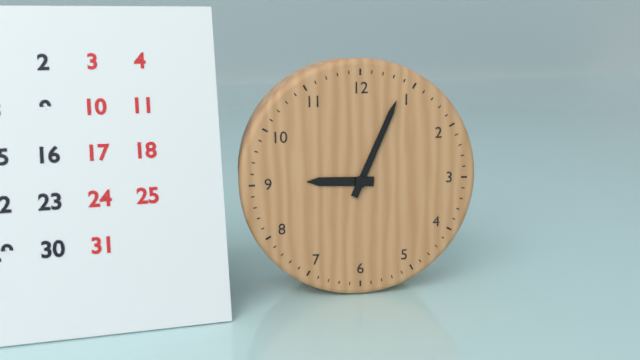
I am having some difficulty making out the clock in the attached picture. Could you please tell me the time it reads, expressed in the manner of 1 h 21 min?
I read 9 h 04 min
